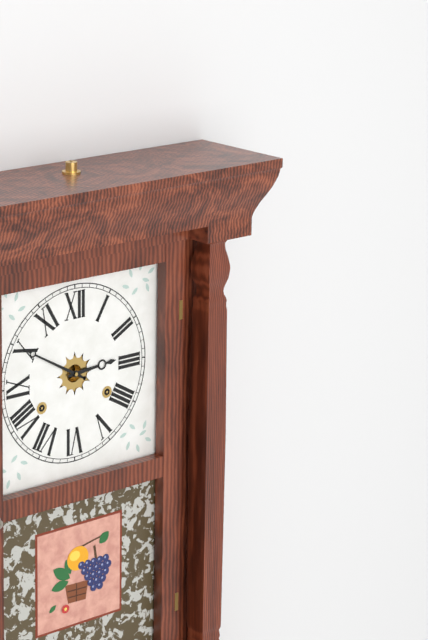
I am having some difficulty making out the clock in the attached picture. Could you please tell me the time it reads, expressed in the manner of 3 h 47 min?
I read 2 h 50 min
